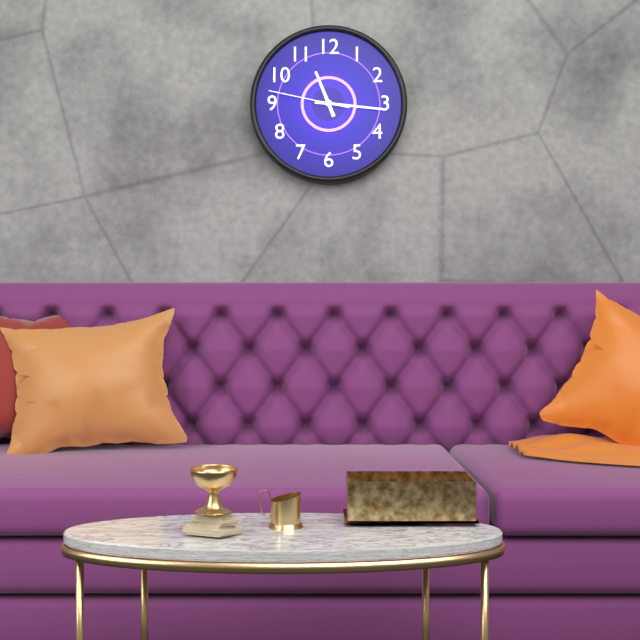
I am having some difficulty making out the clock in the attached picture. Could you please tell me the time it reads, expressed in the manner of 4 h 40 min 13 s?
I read 11 h 16 min 47 s
